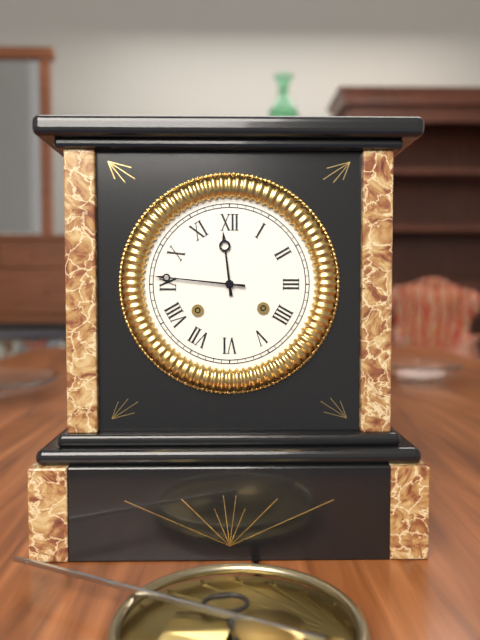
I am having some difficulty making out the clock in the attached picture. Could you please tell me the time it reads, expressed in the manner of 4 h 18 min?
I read 11 h 46 min
